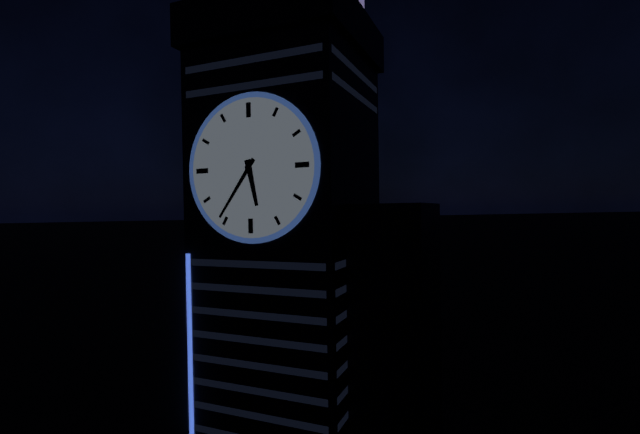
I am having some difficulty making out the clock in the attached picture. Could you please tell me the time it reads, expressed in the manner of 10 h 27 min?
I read 5 h 36 min
